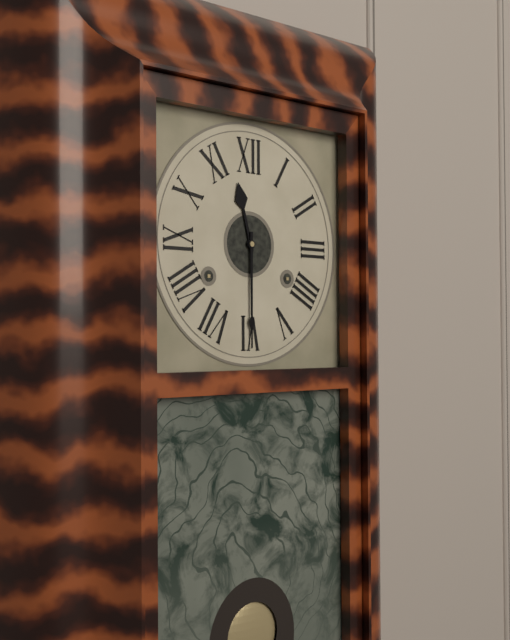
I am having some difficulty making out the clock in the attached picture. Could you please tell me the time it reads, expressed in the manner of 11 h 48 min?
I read 11 h 30 min
